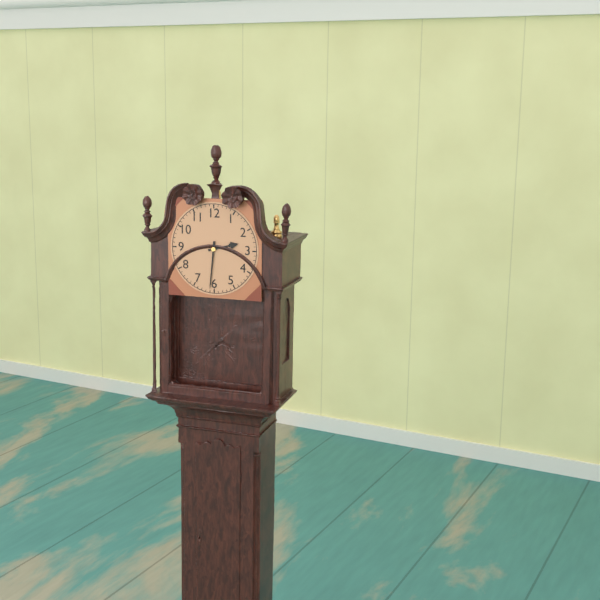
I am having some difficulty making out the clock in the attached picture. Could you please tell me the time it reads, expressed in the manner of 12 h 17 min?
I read 2 h 31 min
